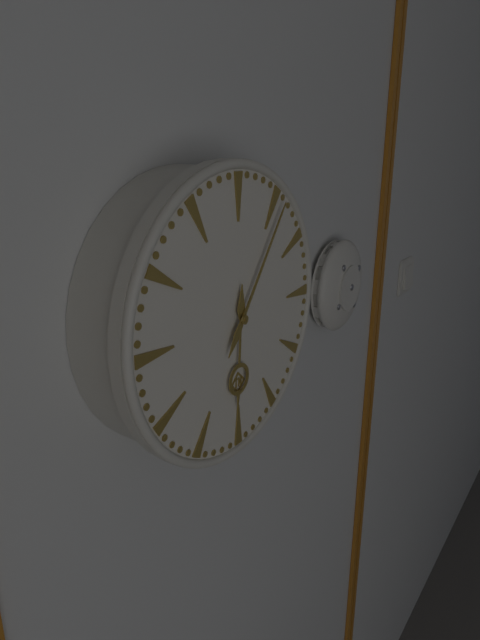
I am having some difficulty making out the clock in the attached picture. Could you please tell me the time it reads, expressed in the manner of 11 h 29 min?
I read 6 h 06 min
